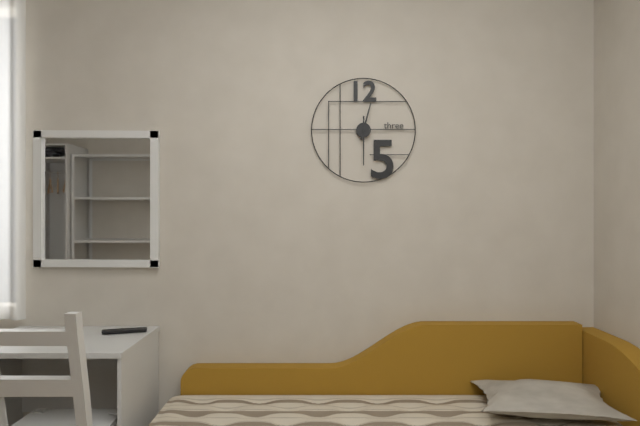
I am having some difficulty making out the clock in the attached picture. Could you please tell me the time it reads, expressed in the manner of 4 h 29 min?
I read 12 h 30 min
